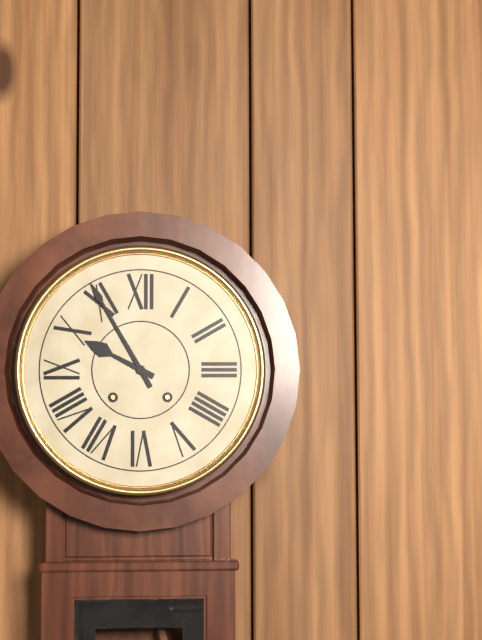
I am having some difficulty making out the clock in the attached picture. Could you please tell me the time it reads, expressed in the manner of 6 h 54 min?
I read 9 h 55 min
